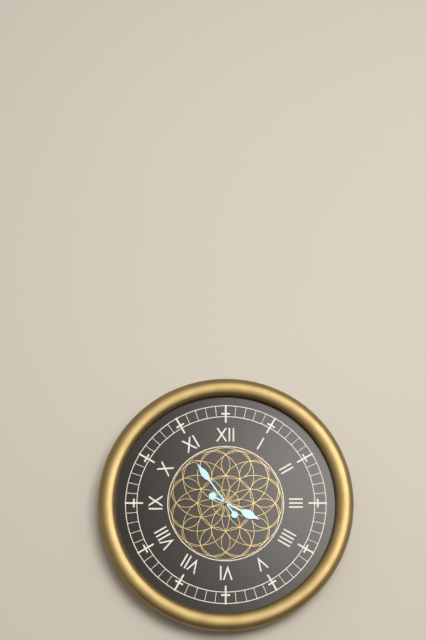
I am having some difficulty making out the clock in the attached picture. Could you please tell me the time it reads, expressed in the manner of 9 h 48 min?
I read 3 h 54 min
